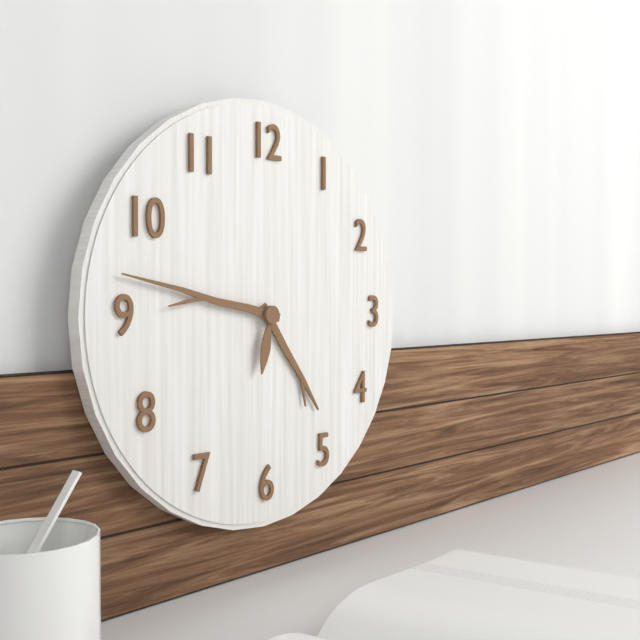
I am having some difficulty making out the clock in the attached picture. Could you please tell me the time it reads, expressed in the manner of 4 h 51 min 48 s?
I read 4 h 47 min 32 s
